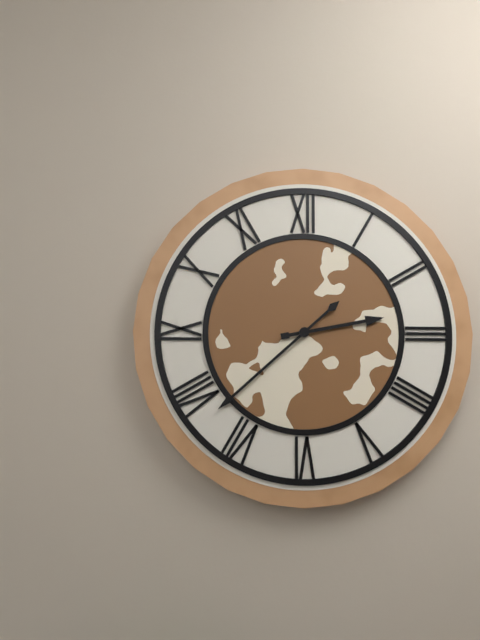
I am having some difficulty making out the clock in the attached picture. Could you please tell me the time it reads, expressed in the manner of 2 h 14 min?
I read 2 h 38 min
